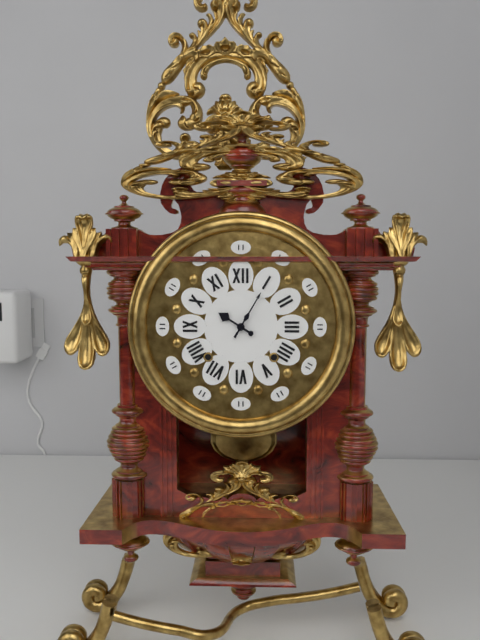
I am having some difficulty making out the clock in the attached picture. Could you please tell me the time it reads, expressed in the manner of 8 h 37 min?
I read 10 h 05 min
